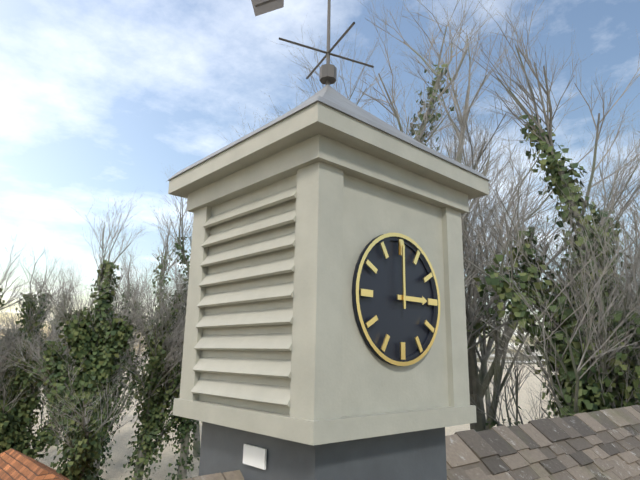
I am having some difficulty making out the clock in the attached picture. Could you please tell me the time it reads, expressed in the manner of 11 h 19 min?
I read 3 h 00 min
